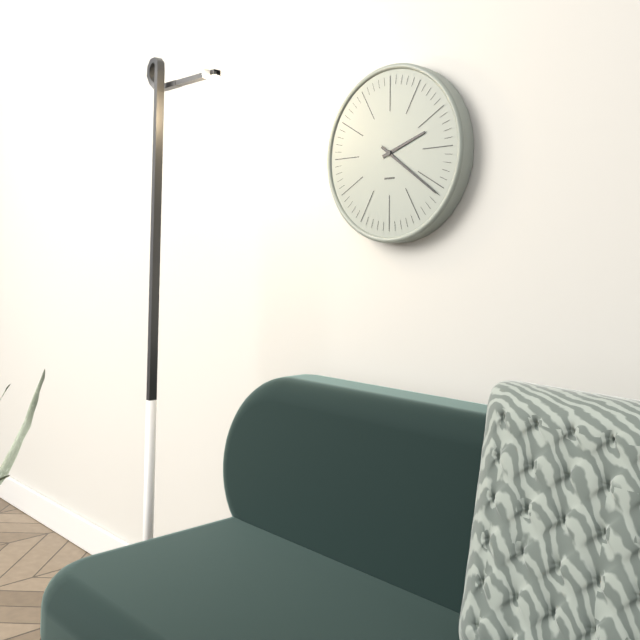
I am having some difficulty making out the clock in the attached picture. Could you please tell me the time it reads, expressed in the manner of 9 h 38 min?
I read 2 h 21 min
